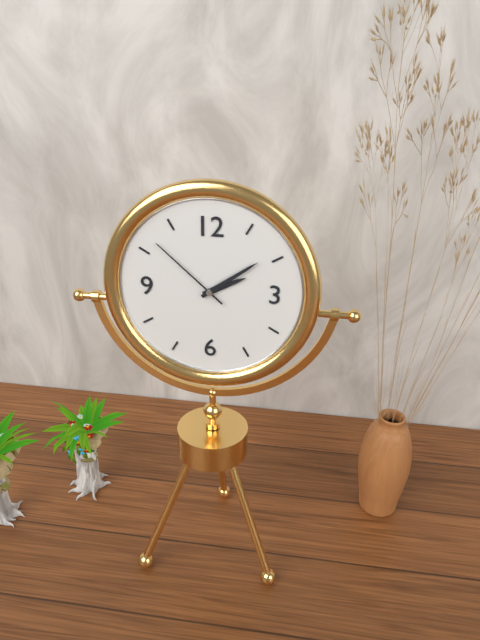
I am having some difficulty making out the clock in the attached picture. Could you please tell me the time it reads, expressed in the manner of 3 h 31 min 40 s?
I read 2 h 09 min 52 s
